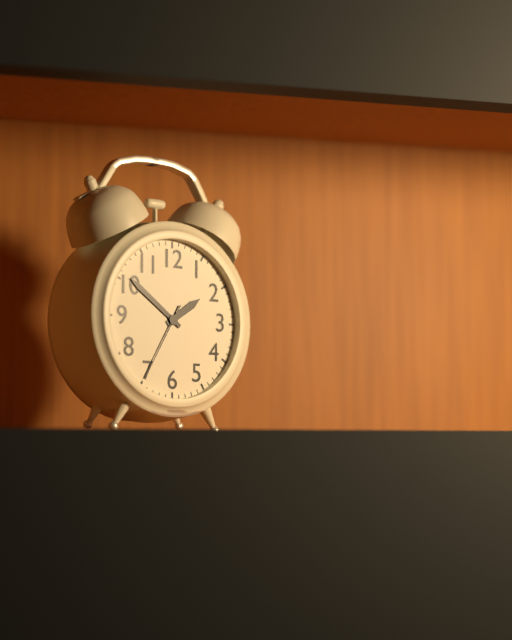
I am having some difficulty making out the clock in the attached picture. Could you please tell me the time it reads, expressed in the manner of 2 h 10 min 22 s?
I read 1 h 51 min 35 s
